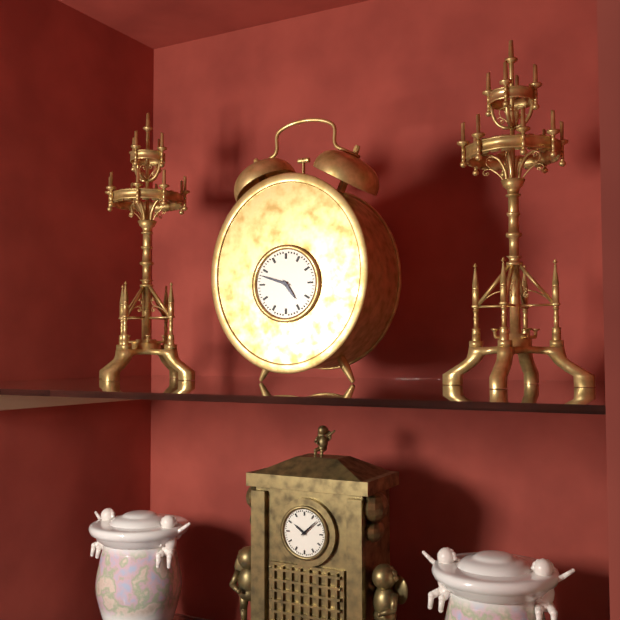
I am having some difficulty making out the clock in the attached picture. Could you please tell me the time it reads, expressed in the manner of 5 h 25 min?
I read 4 h 48 min
